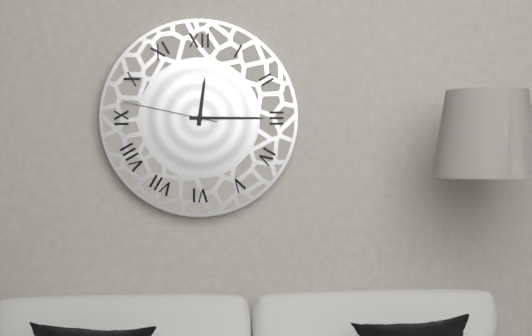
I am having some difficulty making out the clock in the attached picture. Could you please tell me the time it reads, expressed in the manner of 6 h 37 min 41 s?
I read 12 h 15 min 47 s
